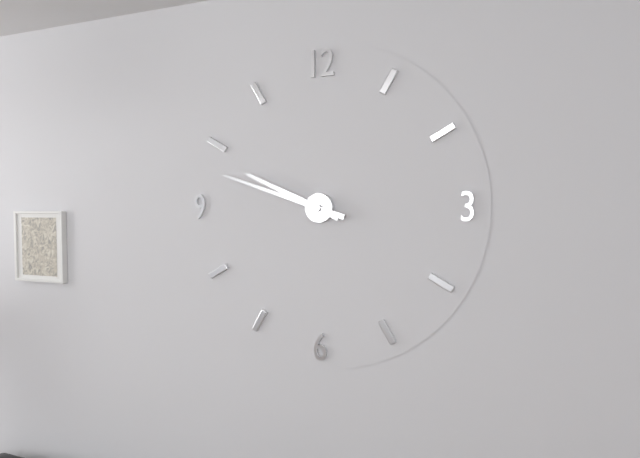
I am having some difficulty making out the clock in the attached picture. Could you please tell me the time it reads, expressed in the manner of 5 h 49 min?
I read 9 h 48 min
